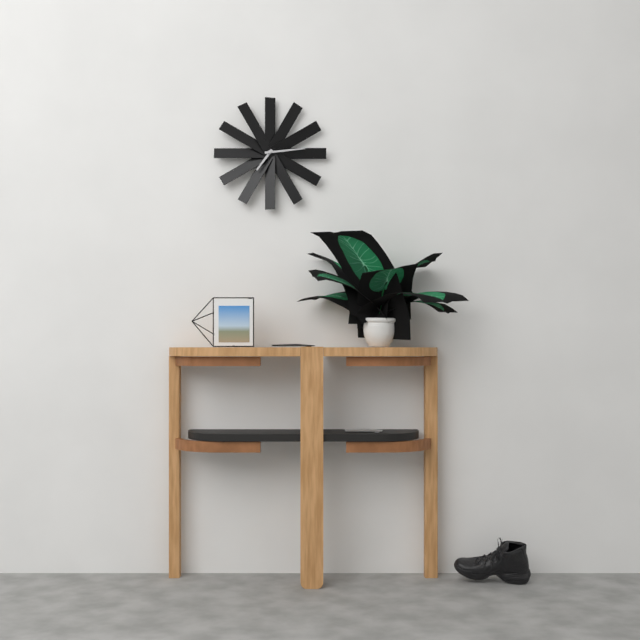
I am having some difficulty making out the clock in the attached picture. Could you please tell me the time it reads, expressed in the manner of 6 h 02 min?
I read 7 h 14 min
